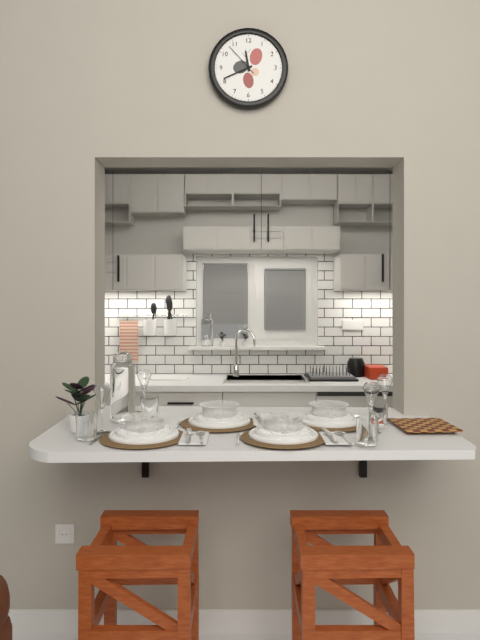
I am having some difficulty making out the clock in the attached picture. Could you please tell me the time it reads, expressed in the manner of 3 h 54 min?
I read 11 h 41 min
